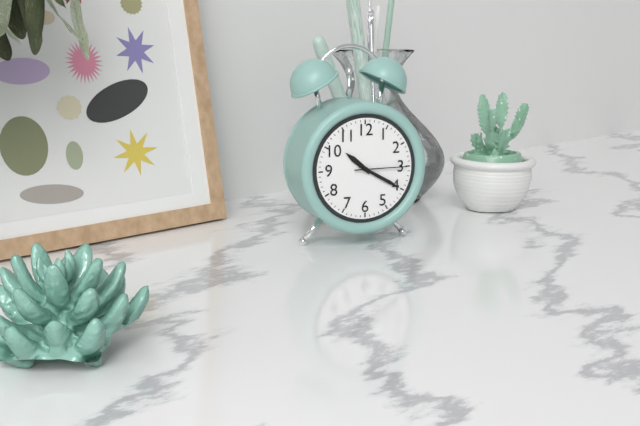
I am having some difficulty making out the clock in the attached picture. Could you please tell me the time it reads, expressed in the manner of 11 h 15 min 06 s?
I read 10 h 20 min 15 s
